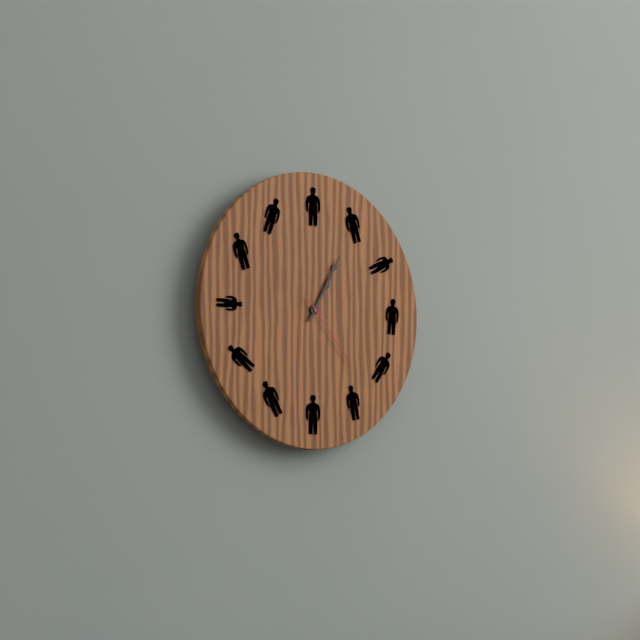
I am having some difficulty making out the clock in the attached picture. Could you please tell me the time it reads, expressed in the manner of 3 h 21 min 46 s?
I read 1 h 05 min 23 s
